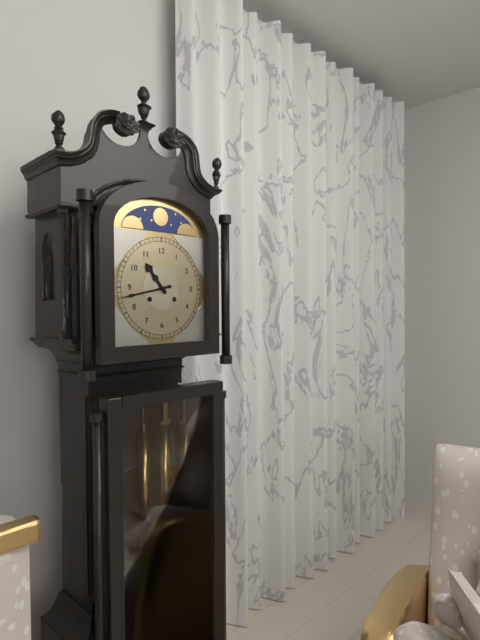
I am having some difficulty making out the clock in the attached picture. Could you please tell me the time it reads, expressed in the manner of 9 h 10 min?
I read 10 h 43 min
